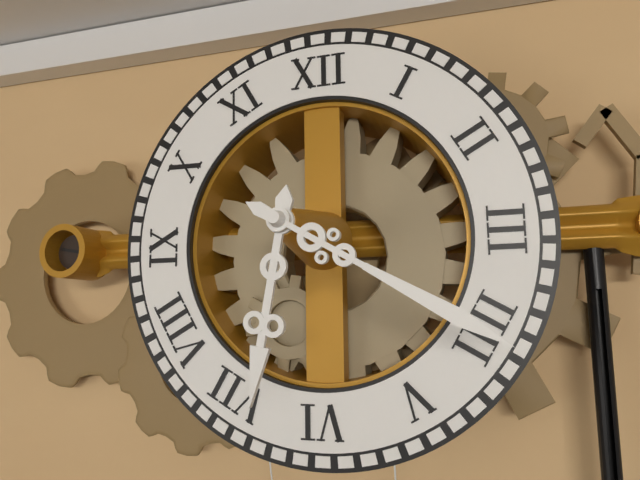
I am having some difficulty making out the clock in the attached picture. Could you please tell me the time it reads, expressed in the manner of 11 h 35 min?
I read 6 h 20 min
